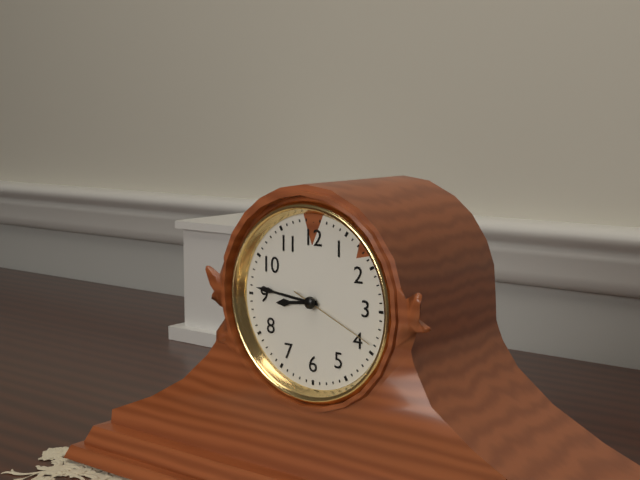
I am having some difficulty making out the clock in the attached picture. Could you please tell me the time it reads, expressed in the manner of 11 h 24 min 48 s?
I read 8 h 46 min 19 s
